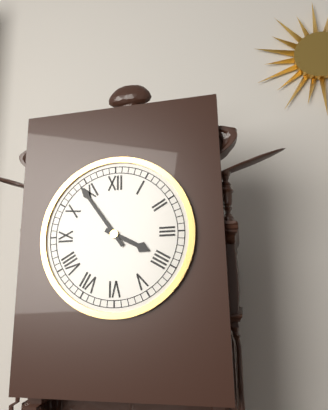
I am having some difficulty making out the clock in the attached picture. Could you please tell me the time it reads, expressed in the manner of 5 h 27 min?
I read 3 h 54 min
